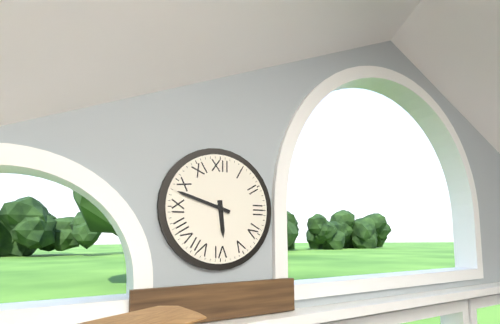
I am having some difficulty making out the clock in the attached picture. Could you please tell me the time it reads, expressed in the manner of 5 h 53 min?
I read 5 h 48 min
